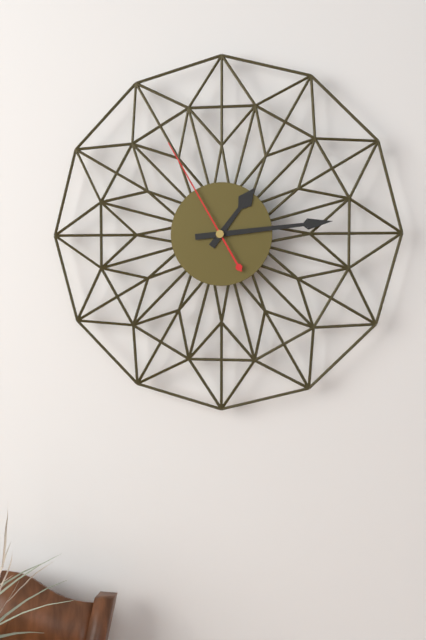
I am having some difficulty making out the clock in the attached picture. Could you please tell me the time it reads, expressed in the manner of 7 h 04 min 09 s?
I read 1 h 14 min 55 s
